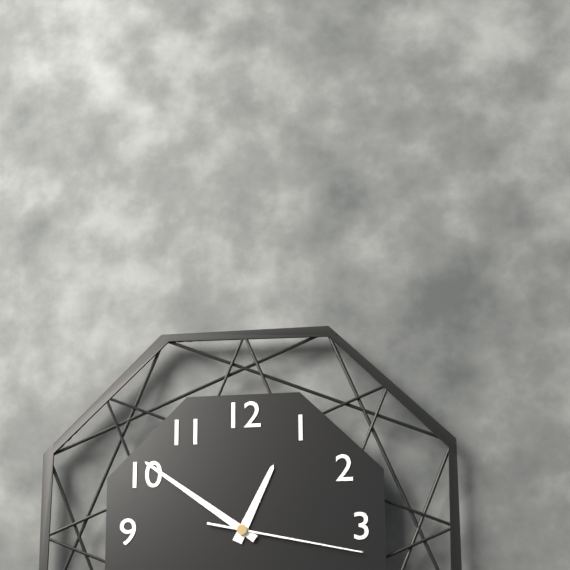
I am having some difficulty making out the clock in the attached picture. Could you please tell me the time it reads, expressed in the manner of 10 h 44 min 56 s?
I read 12 h 51 min 17 s
